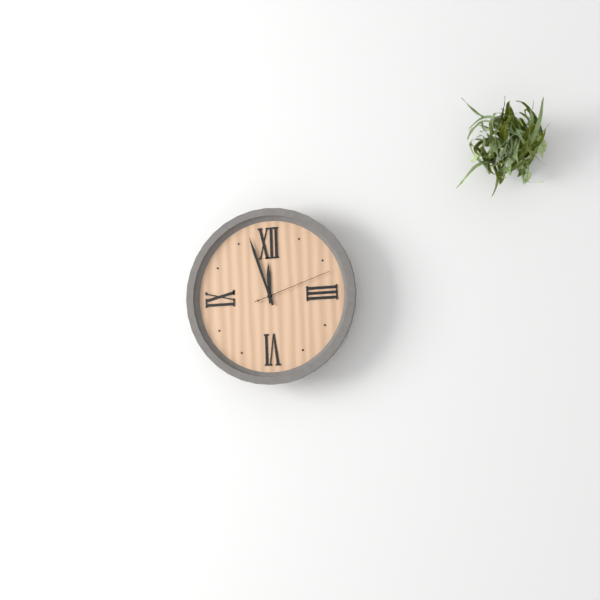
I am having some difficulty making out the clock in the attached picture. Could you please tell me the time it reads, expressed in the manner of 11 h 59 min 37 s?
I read 11 h 57 min 12 s
